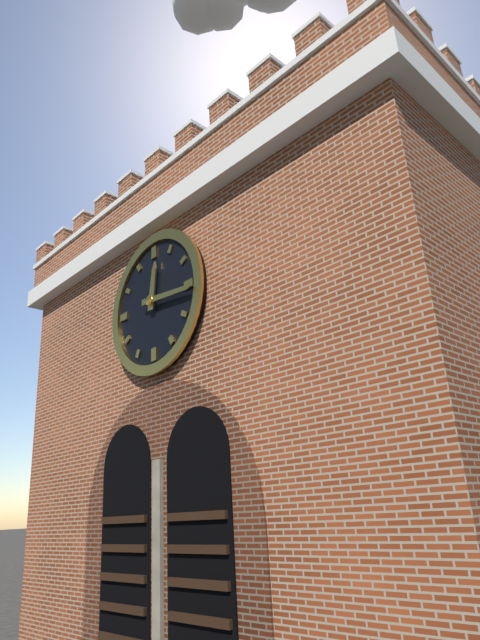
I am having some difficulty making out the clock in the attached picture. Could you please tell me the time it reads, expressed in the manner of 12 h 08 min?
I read 12 h 16 min
